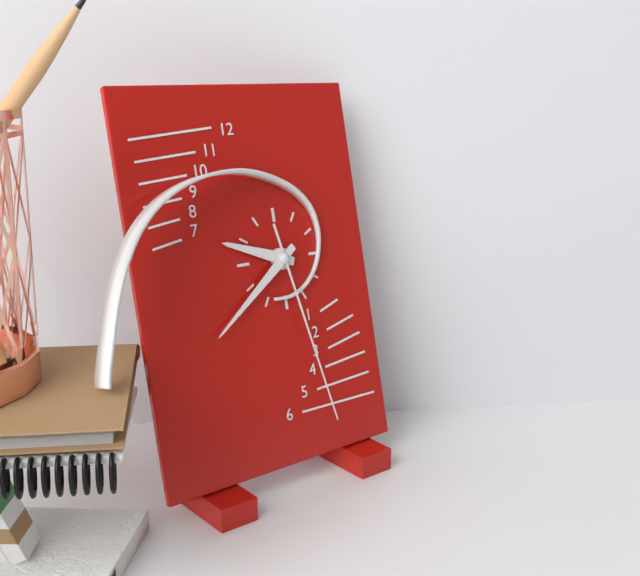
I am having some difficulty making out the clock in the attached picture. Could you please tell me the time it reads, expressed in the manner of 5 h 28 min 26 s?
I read 9 h 39 min 28 s
